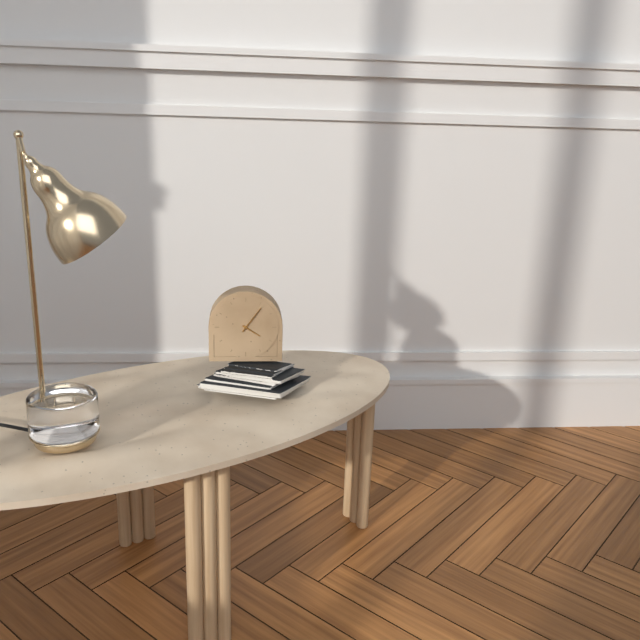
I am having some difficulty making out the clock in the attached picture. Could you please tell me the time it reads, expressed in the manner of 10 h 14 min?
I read 4 h 06 min
